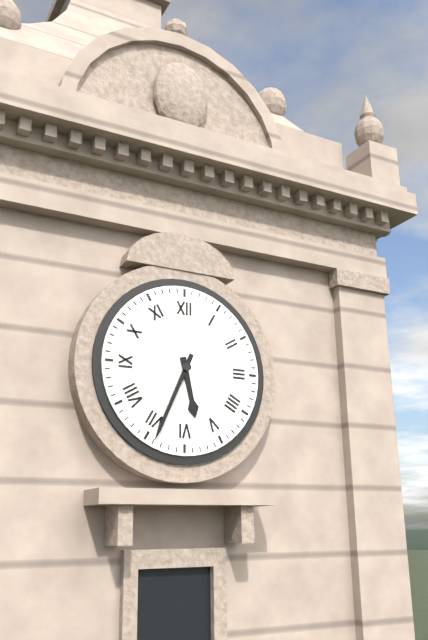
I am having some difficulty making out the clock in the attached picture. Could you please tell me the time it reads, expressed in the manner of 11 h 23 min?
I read 5 h 34 min
